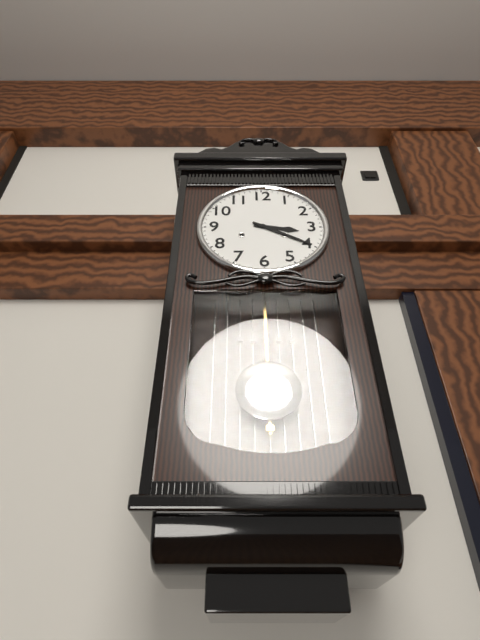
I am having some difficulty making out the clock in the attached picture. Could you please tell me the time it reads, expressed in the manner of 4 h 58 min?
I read 3 h 20 min
